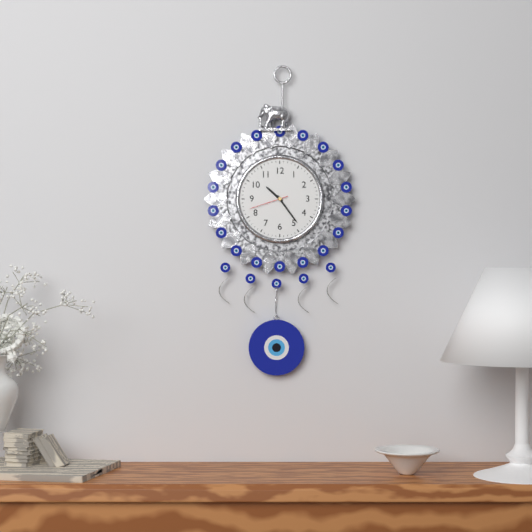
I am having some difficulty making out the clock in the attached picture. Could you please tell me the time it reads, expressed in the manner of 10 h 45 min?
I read 10 h 24 min
